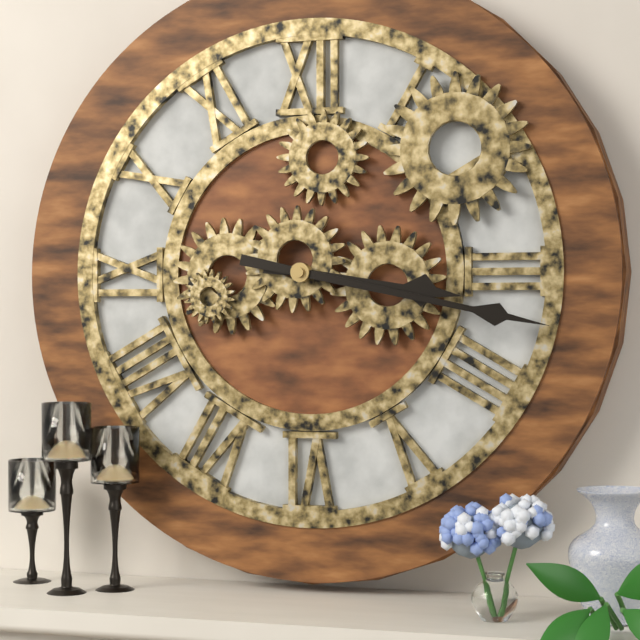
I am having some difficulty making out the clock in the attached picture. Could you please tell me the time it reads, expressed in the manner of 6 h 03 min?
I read 3 h 17 min
